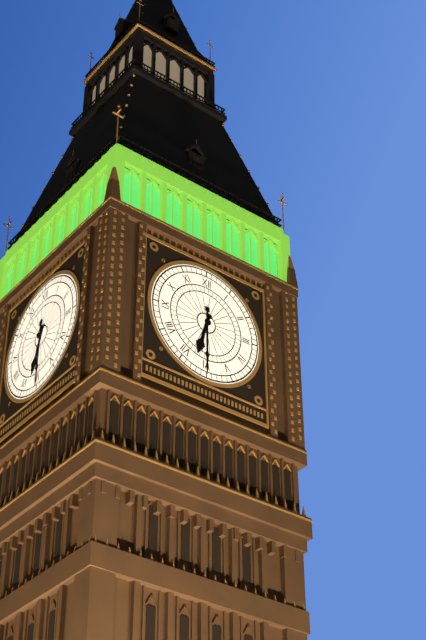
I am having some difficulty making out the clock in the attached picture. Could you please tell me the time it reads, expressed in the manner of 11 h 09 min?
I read 6 h 30 min
